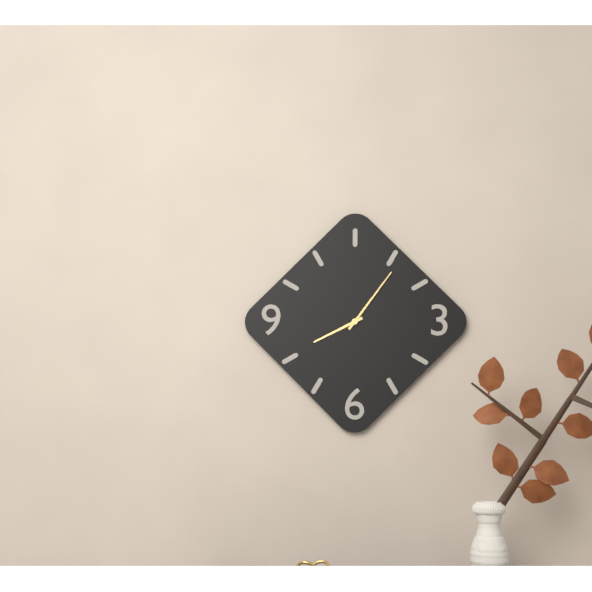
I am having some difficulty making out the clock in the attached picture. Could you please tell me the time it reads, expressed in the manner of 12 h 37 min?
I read 8 h 06 min
